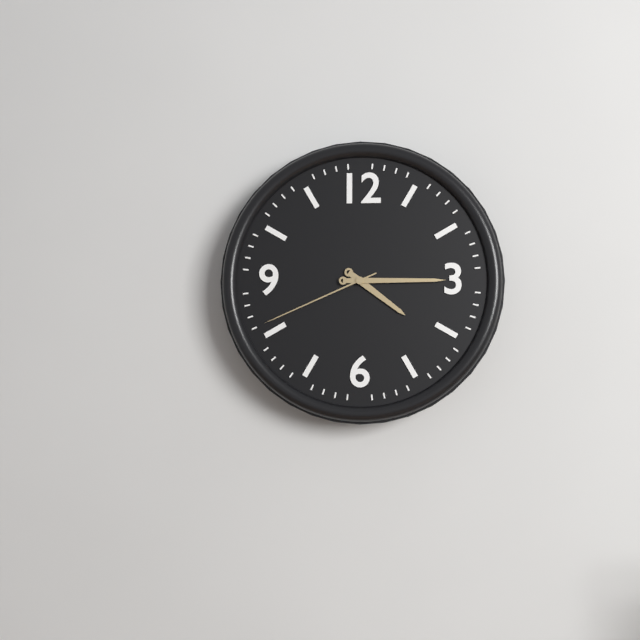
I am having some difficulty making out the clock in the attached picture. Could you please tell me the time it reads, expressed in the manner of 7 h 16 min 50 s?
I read 4 h 15 min 41 s
